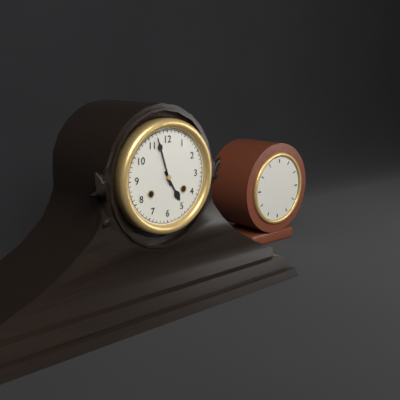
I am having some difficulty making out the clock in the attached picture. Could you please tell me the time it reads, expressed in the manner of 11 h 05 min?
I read 4 h 57 min
